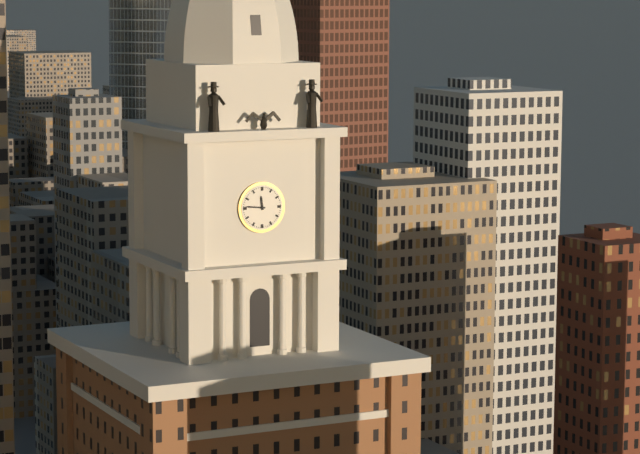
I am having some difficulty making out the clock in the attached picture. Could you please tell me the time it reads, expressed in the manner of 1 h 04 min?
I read 11 h 46 min
